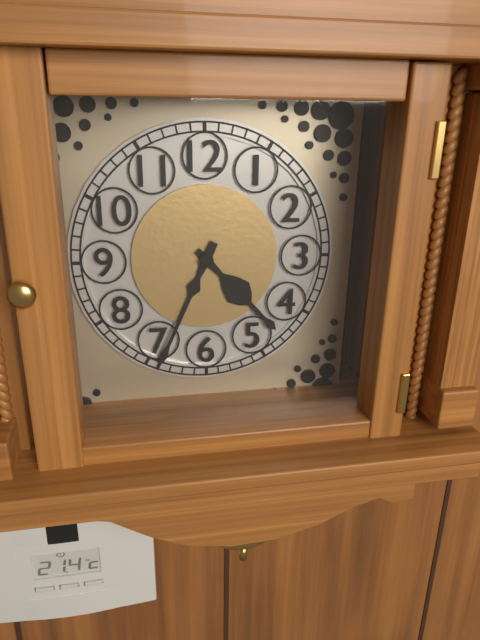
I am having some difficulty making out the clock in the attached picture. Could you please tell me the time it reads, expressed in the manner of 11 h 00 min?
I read 4 h 34 min
